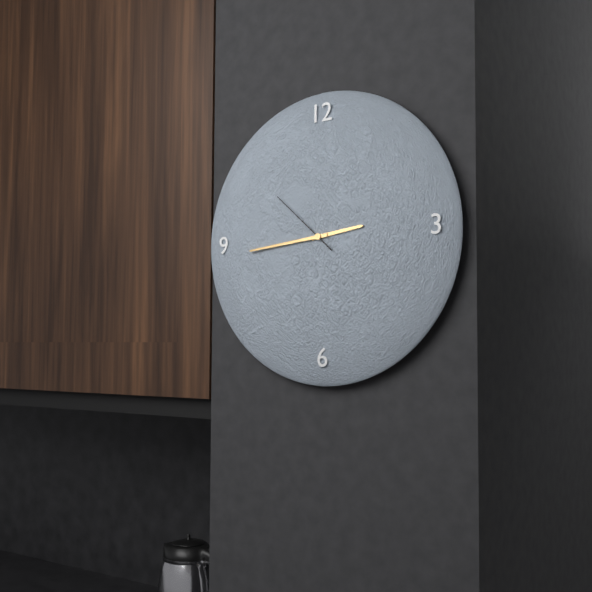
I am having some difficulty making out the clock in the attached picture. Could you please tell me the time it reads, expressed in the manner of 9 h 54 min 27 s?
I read 2 h 44 min 52 s
